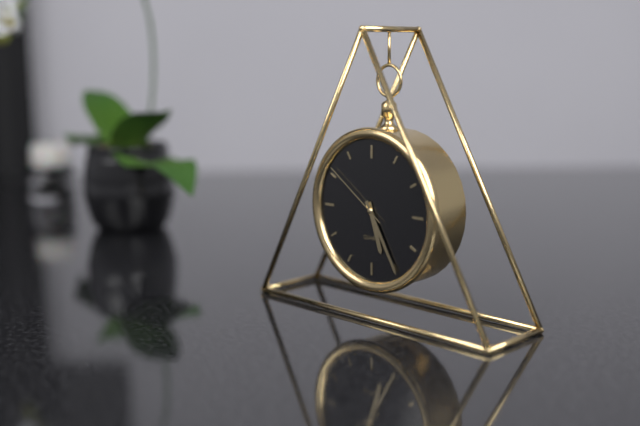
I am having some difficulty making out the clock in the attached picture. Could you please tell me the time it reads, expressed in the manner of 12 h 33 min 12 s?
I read 5 h 25 min 51 s
